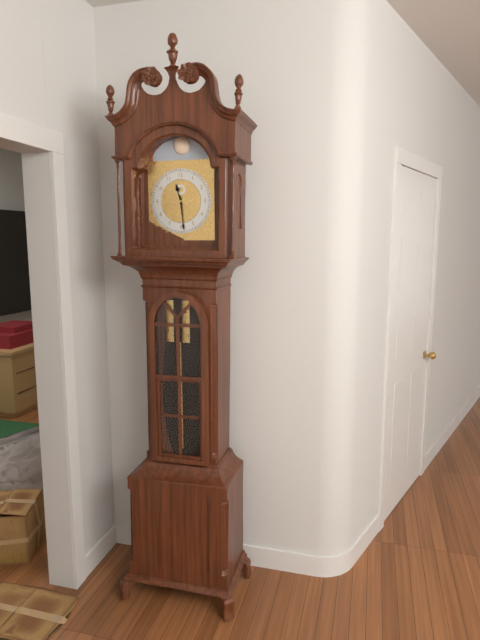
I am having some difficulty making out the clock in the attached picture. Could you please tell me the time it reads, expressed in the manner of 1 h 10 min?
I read 11 h 29 min
